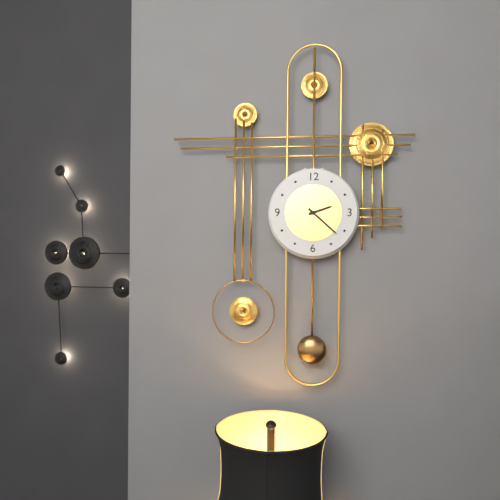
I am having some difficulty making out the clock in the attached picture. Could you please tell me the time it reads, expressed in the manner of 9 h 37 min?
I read 2 h 22 min
